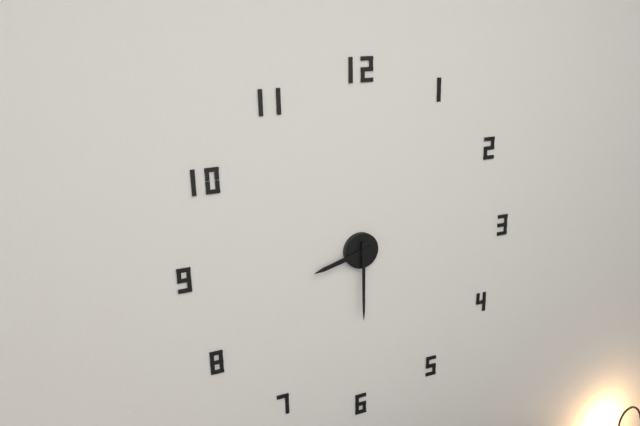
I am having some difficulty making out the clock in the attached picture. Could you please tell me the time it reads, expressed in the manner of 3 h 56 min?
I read 8 h 30 min
